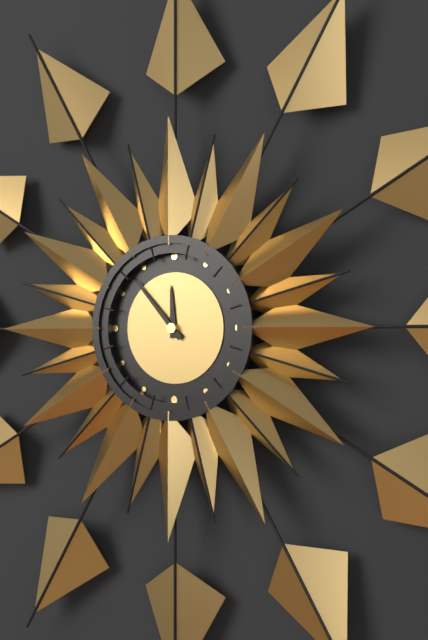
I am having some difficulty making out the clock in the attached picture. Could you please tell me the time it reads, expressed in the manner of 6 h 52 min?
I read 11 h 53 min
